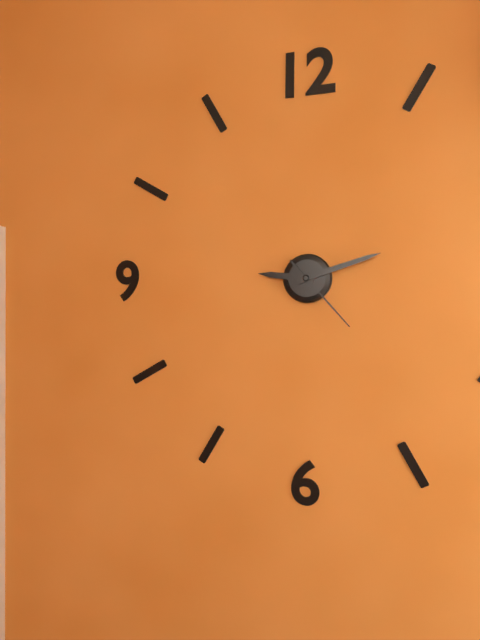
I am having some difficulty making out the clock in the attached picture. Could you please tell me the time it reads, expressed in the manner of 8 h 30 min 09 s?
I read 9 h 12 min 23 s
